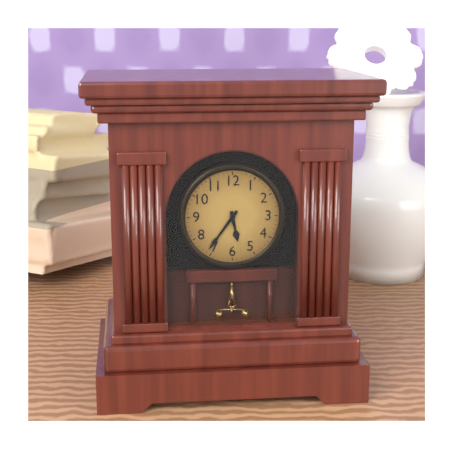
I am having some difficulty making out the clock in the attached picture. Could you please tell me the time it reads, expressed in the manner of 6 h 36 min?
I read 5 h 36 min
